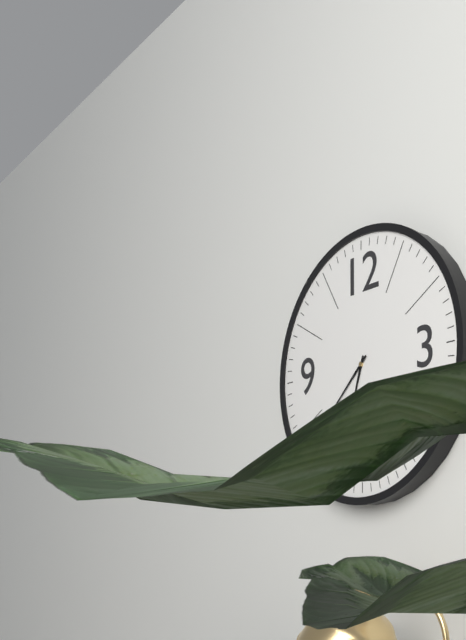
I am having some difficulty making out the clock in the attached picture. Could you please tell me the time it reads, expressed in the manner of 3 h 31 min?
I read 6 h 38 min
